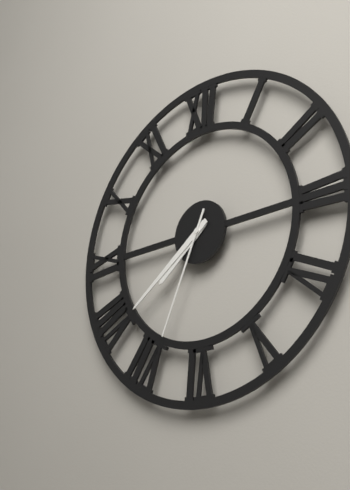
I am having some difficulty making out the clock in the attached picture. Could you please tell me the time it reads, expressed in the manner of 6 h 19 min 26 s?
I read 7 h 39 min 34 s
